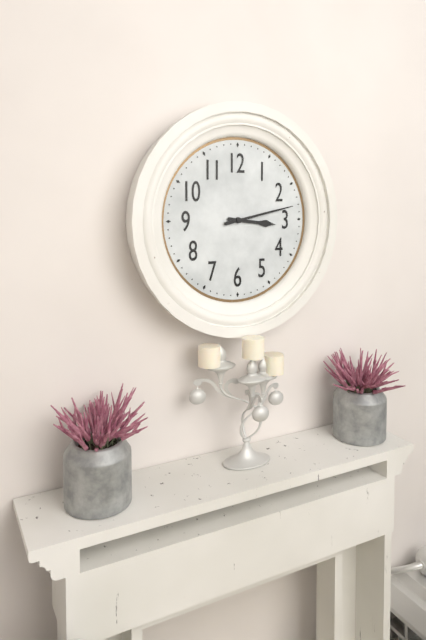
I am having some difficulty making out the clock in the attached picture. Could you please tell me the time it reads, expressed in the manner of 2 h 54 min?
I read 3 h 13 min
